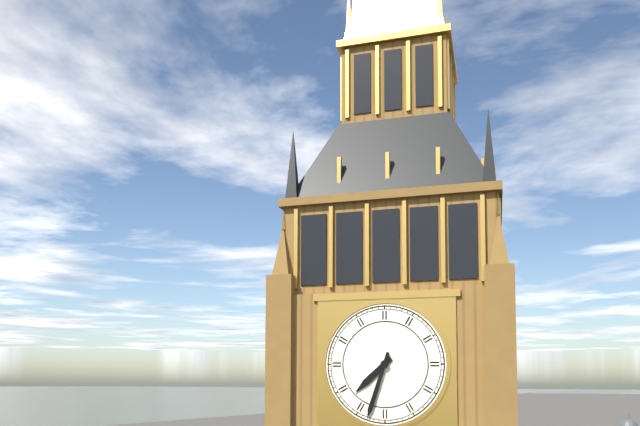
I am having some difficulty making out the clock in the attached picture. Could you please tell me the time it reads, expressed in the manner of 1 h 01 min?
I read 7 h 33 min
